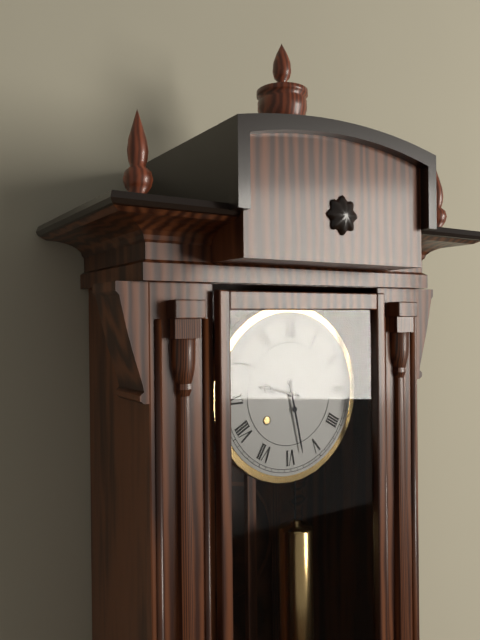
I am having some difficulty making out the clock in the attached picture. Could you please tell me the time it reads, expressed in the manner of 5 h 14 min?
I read 9 h 28 min
